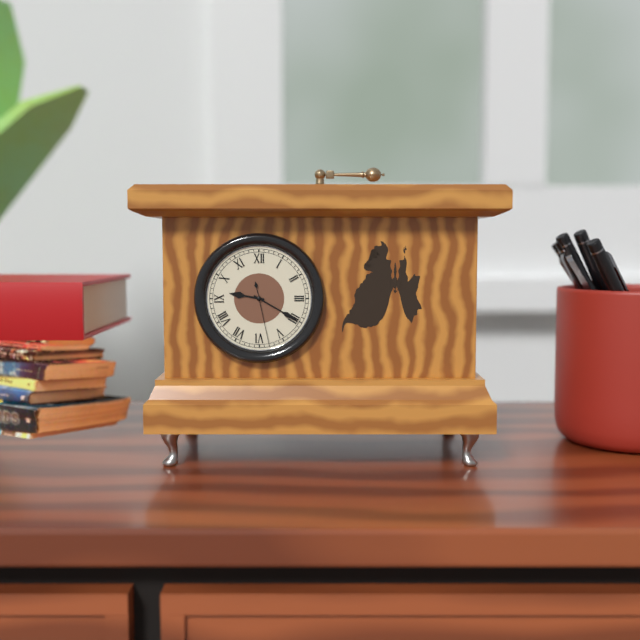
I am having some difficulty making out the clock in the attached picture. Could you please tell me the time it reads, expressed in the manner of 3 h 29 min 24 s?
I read 9 h 20 min 28 s
